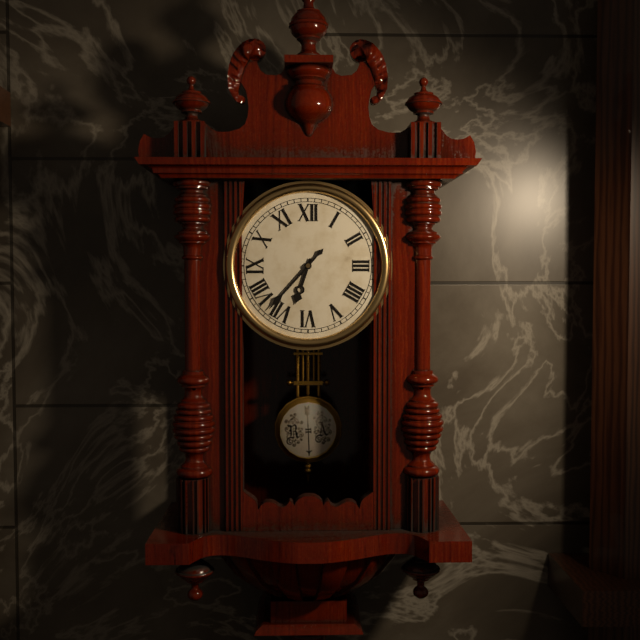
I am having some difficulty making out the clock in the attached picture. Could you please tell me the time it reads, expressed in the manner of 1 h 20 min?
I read 6 h 37 min
